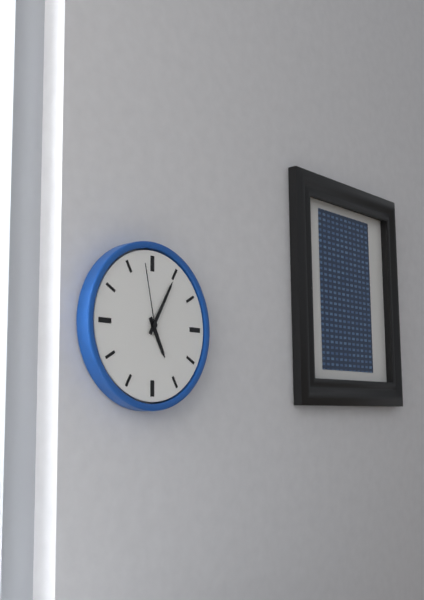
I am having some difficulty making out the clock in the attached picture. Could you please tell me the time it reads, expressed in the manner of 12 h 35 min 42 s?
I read 5 h 05 min 58 s
